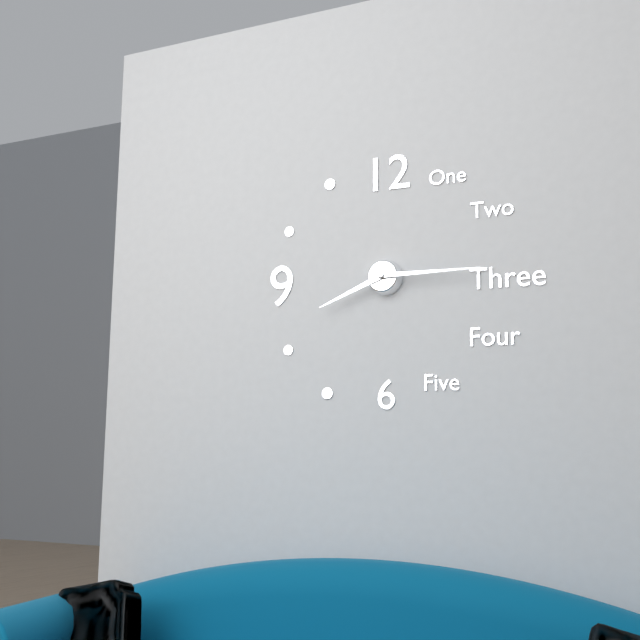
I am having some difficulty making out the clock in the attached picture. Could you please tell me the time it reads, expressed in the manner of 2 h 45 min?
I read 8 h 15 min
